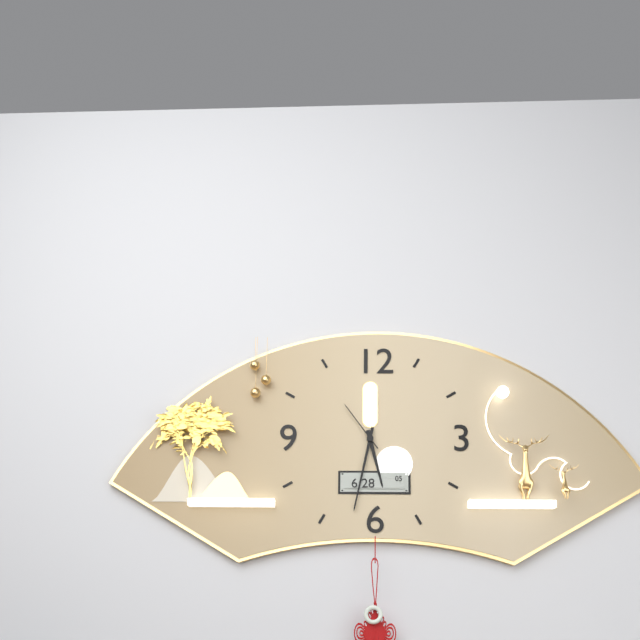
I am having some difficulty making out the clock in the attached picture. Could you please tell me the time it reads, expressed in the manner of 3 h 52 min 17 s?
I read 5 h 32 min 54 s
